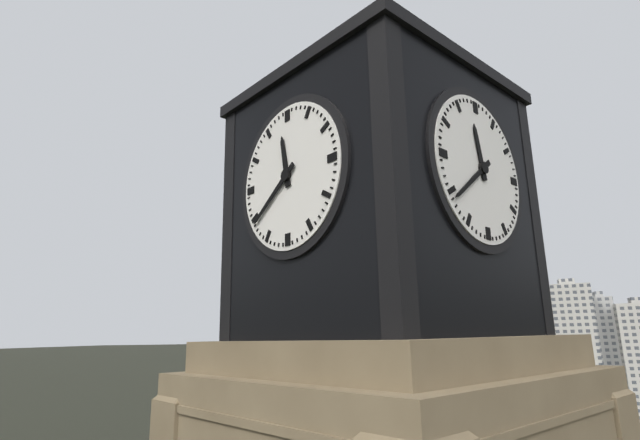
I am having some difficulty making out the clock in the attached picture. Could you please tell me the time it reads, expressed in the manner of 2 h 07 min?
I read 11 h 39 min
